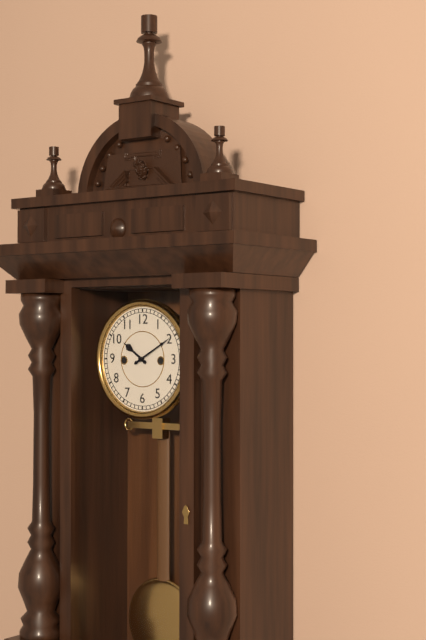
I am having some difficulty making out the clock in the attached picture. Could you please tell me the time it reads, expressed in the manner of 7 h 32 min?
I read 10 h 10 min
